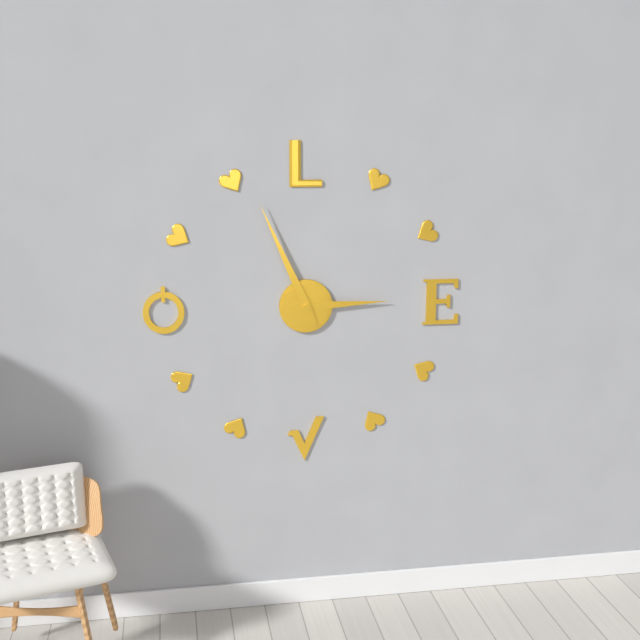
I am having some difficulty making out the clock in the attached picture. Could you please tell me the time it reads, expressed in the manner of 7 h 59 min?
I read 2 h 56 min
